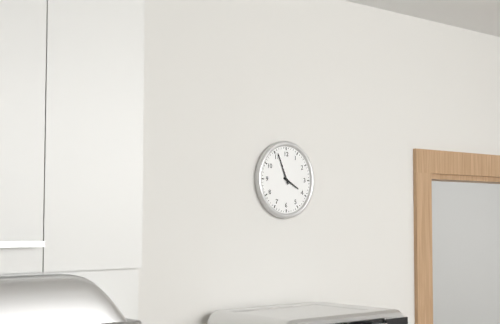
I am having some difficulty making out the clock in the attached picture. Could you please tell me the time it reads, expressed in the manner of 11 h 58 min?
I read 3 h 56 min
